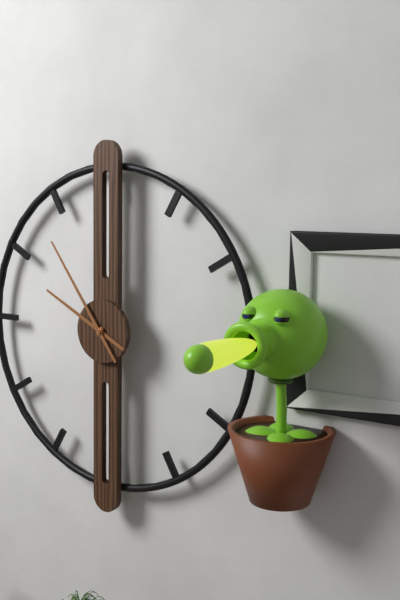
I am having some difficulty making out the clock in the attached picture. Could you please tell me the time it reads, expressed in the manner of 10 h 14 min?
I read 9 h 54 min
